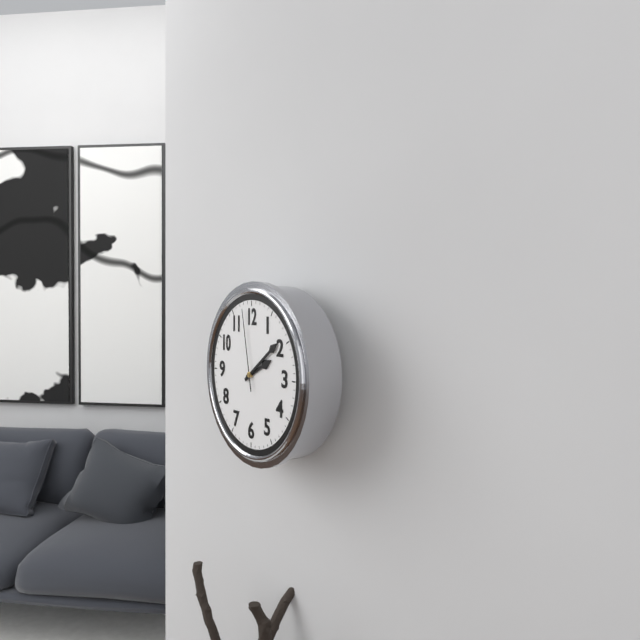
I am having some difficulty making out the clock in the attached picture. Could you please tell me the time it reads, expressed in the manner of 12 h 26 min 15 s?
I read 2 h 09 min 58 s
